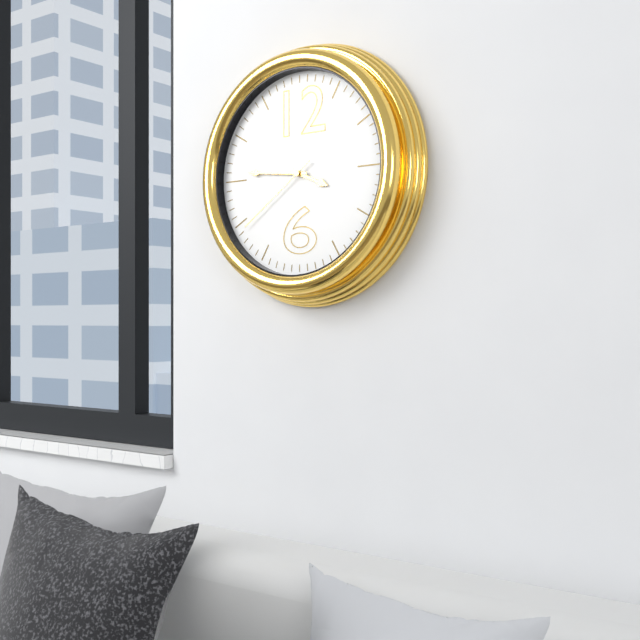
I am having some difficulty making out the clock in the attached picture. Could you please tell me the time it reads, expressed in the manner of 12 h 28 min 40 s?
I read 3 h 46 min 39 s
